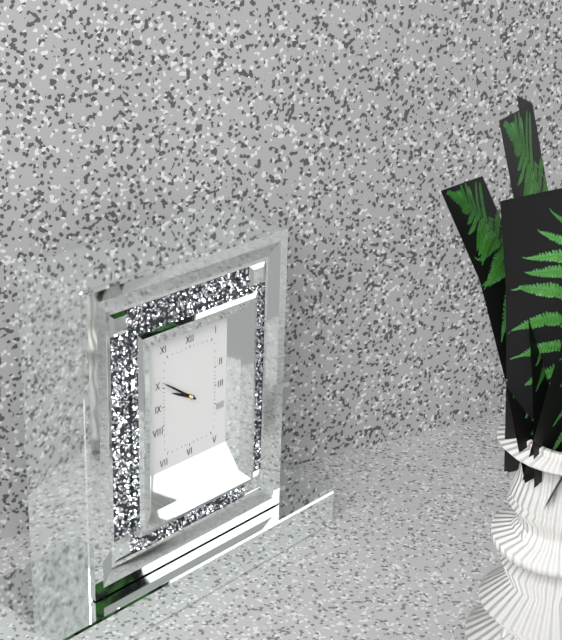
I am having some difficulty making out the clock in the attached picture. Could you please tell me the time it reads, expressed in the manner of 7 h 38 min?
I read 9 h 51 min
